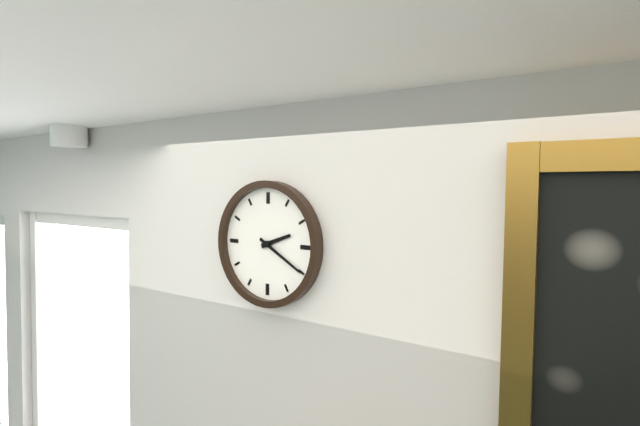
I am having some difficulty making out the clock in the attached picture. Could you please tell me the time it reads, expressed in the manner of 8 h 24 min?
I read 2 h 20 min
